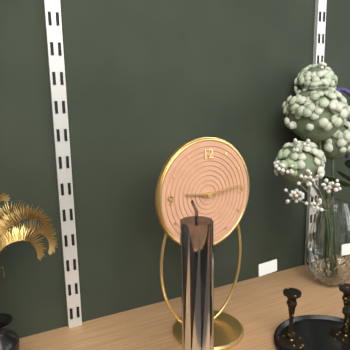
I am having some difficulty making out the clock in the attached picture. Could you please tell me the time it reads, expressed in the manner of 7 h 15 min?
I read 9 h 14 min
